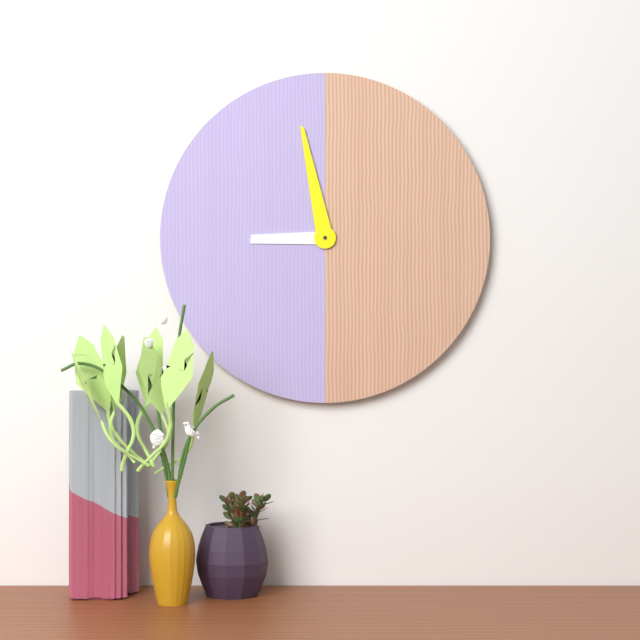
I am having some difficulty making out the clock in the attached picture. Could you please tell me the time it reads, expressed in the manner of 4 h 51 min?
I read 8 h 58 min
